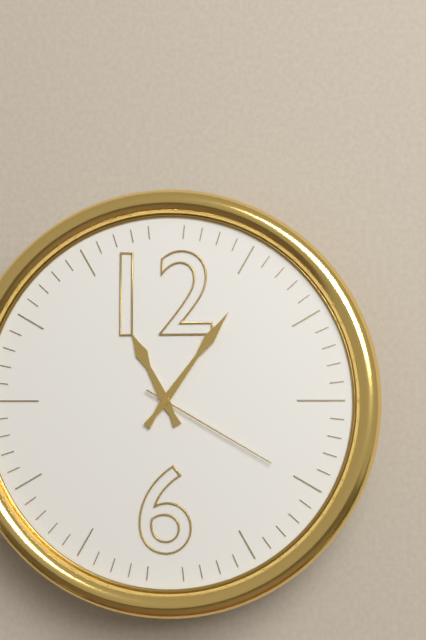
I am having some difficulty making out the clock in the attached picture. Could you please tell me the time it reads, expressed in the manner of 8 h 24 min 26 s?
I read 11 h 06 min 20 s
